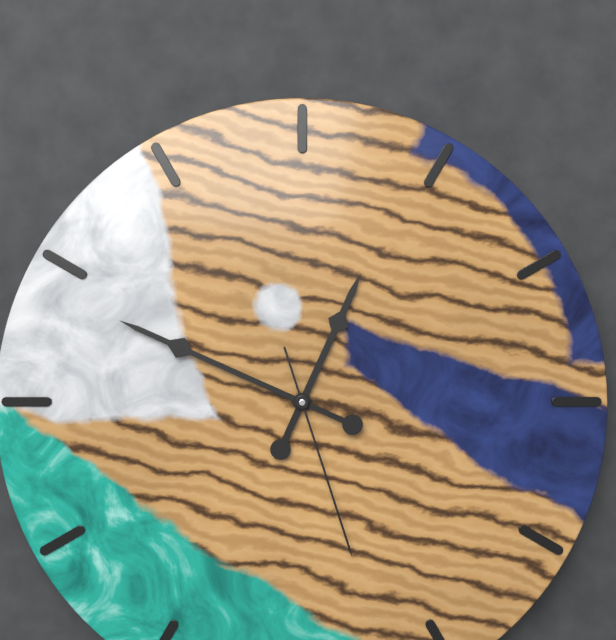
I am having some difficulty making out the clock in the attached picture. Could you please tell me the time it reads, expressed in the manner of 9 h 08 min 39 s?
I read 12 h 49 min 27 s
